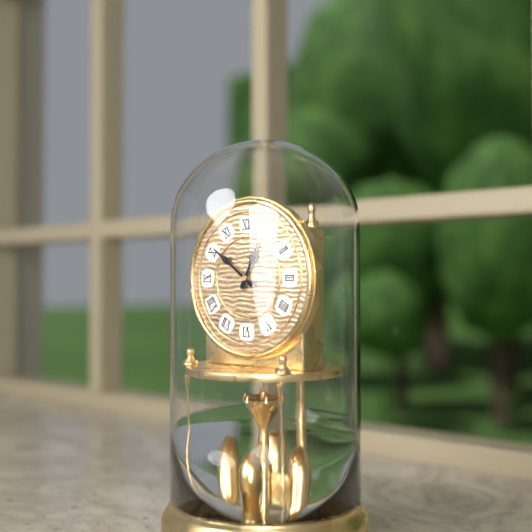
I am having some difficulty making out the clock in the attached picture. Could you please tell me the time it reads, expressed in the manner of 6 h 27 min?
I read 12 h 51 min
